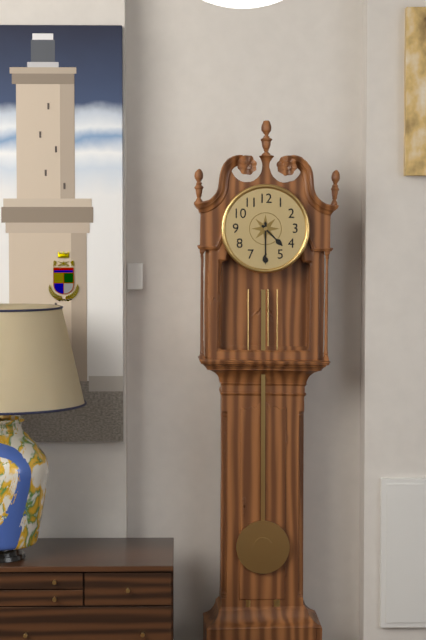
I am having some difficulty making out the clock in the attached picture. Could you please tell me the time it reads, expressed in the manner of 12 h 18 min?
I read 4 h 30 min
